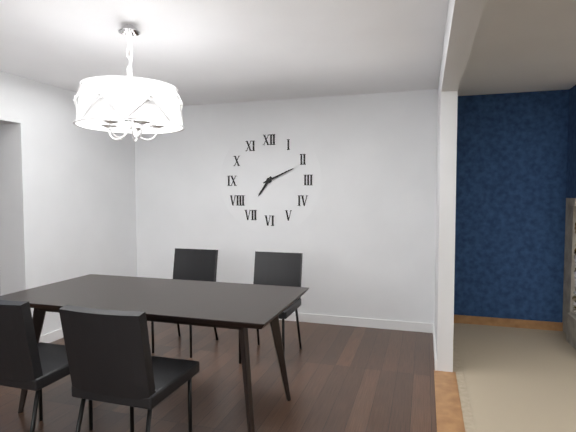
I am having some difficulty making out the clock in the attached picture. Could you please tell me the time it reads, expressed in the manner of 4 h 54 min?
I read 7 h 11 min
